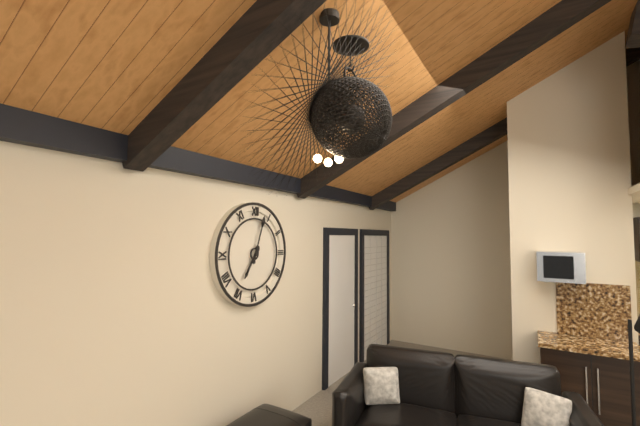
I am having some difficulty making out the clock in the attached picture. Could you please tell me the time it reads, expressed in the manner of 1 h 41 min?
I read 7 h 03 min
